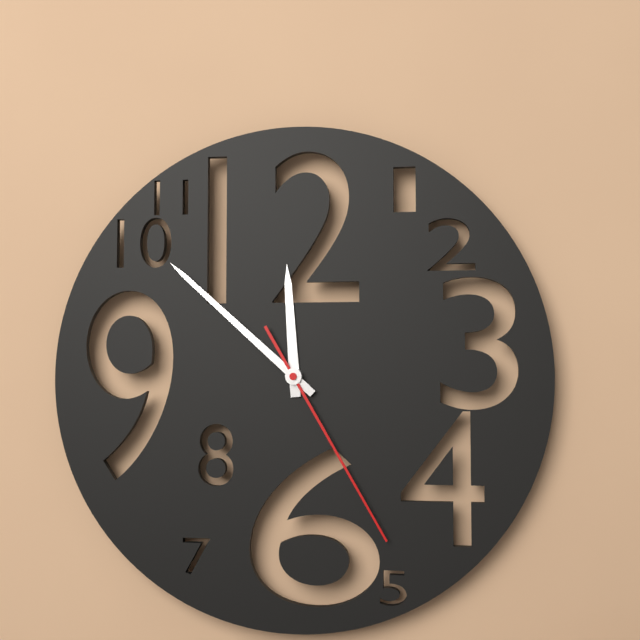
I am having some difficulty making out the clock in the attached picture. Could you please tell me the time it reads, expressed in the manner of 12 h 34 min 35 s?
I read 11 h 52 min 25 s
